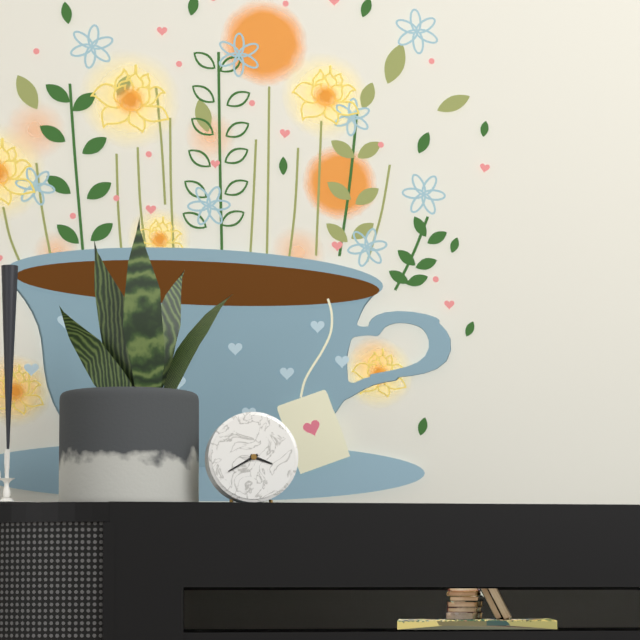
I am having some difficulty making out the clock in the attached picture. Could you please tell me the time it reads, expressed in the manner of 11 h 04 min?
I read 3 h 40 min
